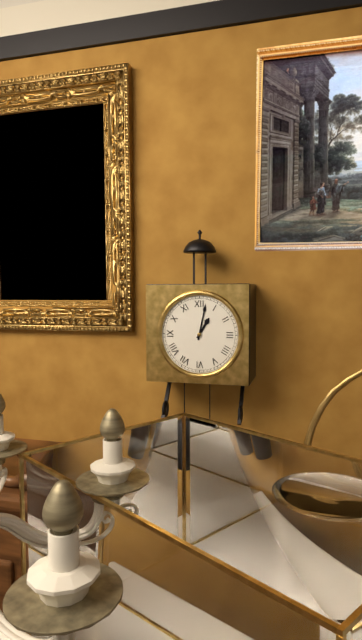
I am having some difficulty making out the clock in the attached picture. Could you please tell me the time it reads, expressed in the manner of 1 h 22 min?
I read 1 h 02 min
